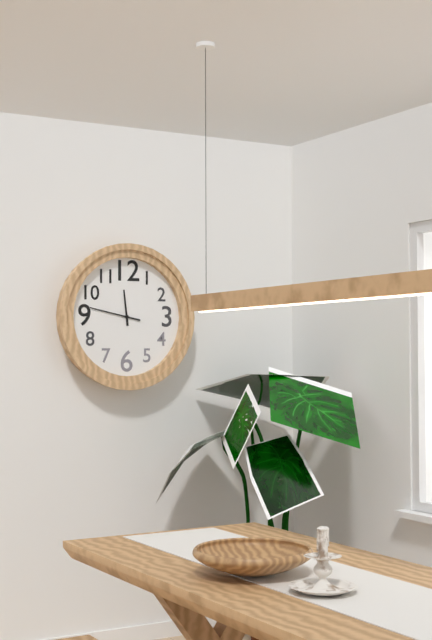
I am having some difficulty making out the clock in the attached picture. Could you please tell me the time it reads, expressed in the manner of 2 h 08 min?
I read 11 h 47 min
